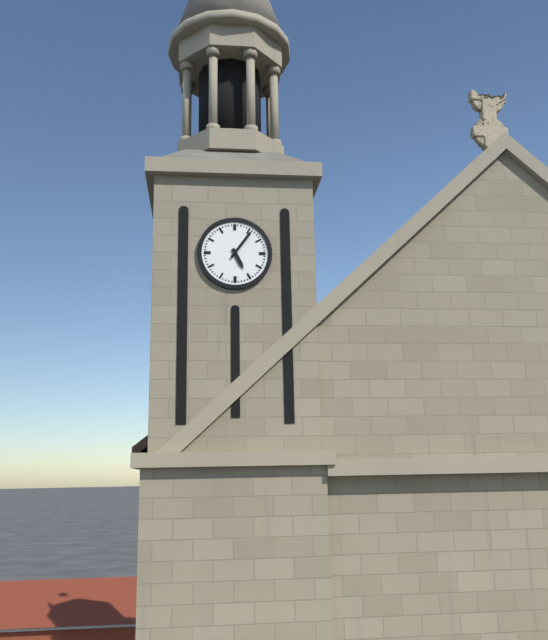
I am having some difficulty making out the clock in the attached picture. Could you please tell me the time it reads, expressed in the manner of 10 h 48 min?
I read 5 h 06 min
